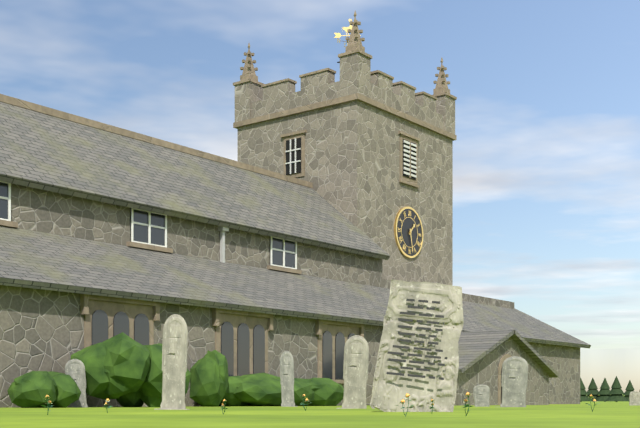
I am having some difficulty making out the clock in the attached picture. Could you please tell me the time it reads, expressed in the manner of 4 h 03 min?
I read 1 h 28 min
